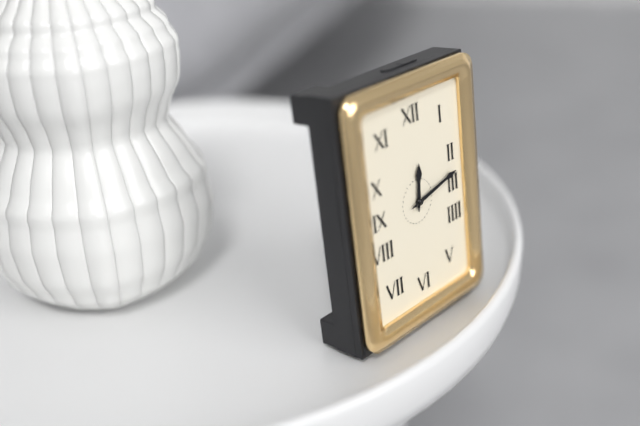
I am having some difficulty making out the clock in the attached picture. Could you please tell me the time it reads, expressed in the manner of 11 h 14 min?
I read 12 h 13 min
